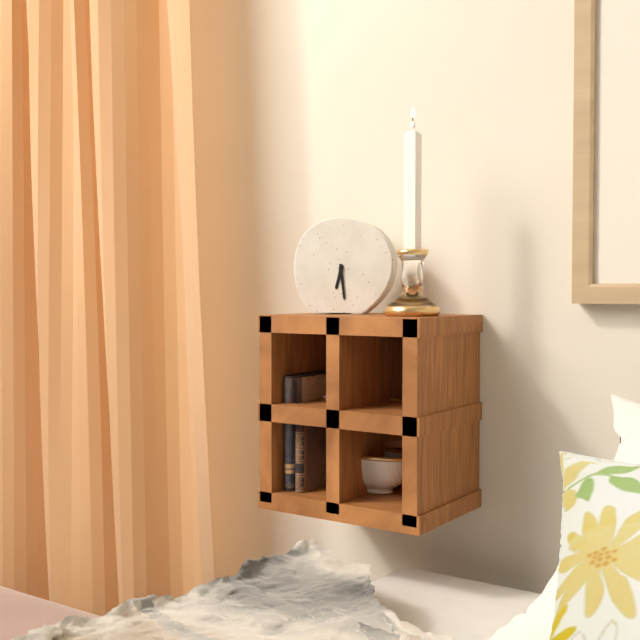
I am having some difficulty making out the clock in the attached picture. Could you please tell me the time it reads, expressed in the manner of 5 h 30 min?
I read 6 h 29 min
